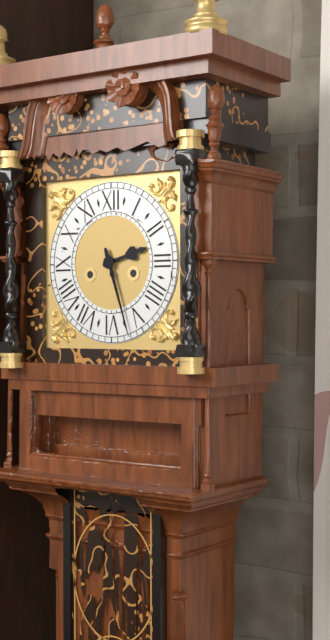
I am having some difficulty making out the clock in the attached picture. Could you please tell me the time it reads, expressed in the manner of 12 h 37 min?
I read 2 h 27 min
